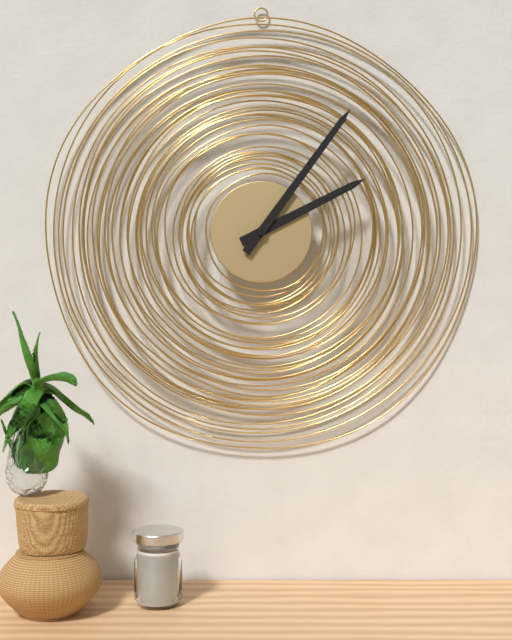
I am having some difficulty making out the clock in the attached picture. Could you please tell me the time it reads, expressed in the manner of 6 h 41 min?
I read 2 h 06 min
